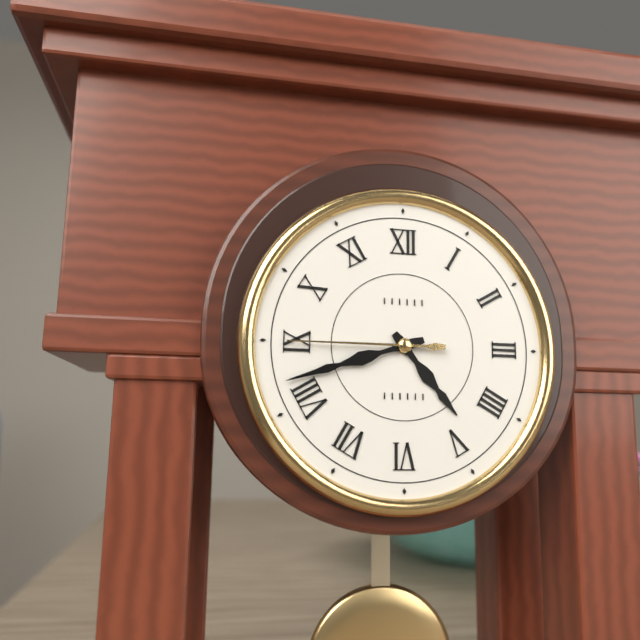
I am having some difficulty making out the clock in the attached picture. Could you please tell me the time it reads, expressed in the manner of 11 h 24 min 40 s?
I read 4 h 42 min 45 s
